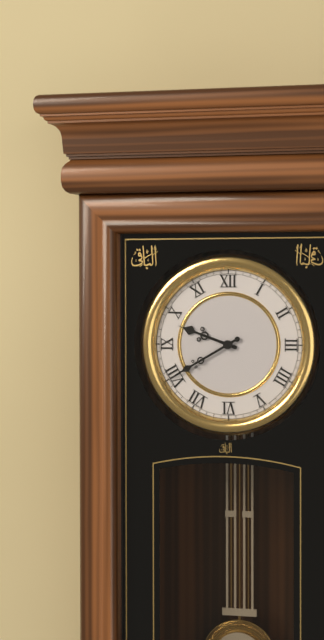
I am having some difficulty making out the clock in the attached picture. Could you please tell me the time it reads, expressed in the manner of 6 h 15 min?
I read 9 h 40 min
